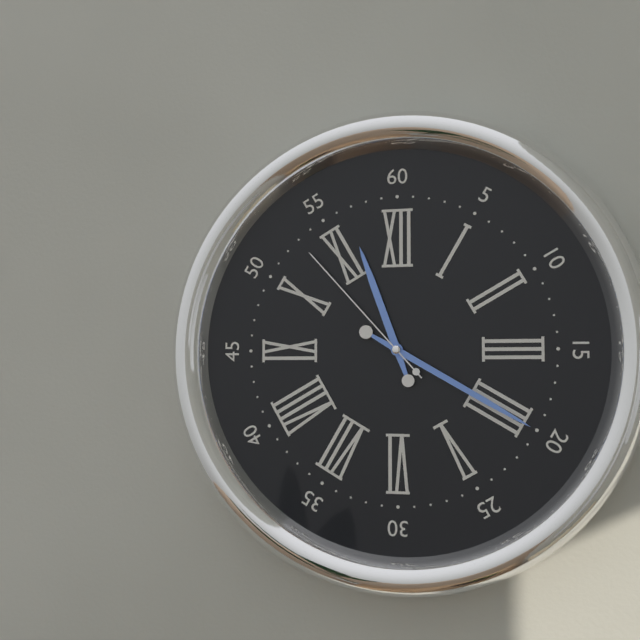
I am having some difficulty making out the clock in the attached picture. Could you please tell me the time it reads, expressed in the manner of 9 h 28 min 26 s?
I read 11 h 20 min 53 s
